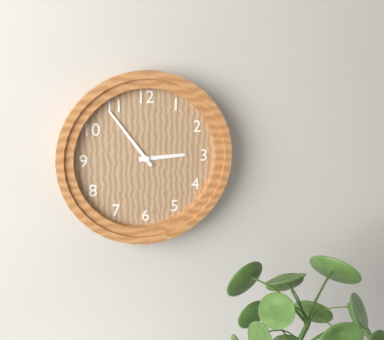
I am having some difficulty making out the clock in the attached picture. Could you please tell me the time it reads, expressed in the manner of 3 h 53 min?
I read 2 h 54 min
